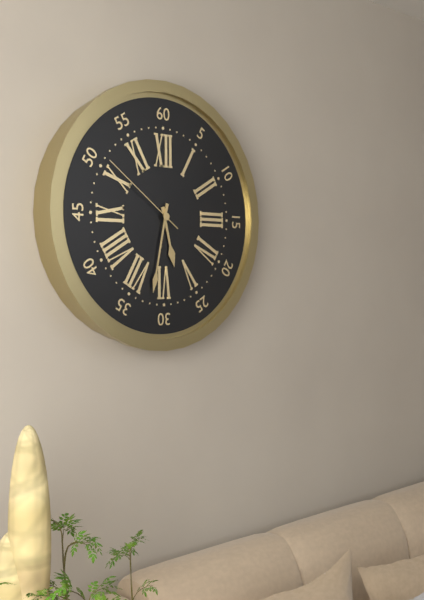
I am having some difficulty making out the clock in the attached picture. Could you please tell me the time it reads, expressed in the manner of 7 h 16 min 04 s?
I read 5 h 32 min 51 s
